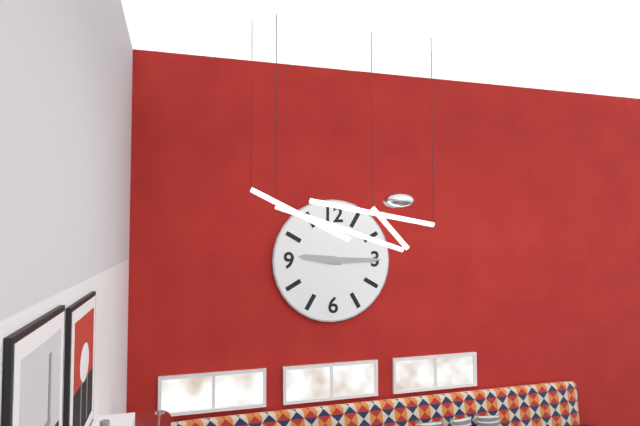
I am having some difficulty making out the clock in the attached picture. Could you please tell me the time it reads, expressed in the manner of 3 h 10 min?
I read 9 h 15 min
